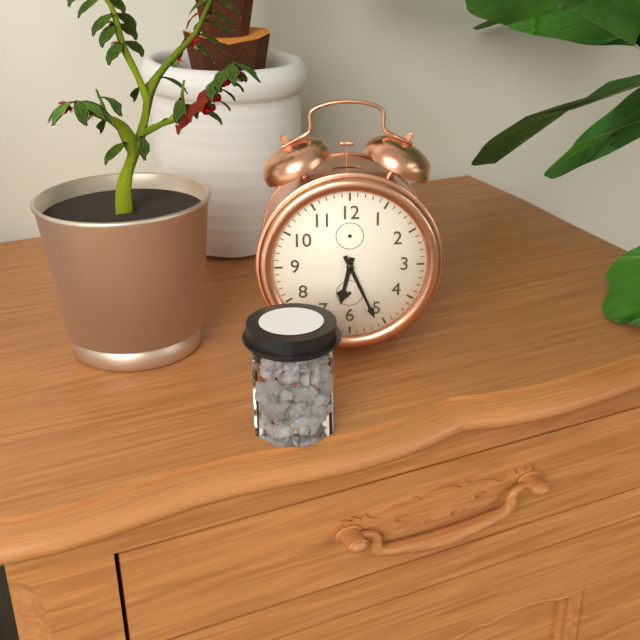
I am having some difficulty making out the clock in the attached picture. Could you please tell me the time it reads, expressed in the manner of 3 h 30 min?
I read 6 h 26 min
